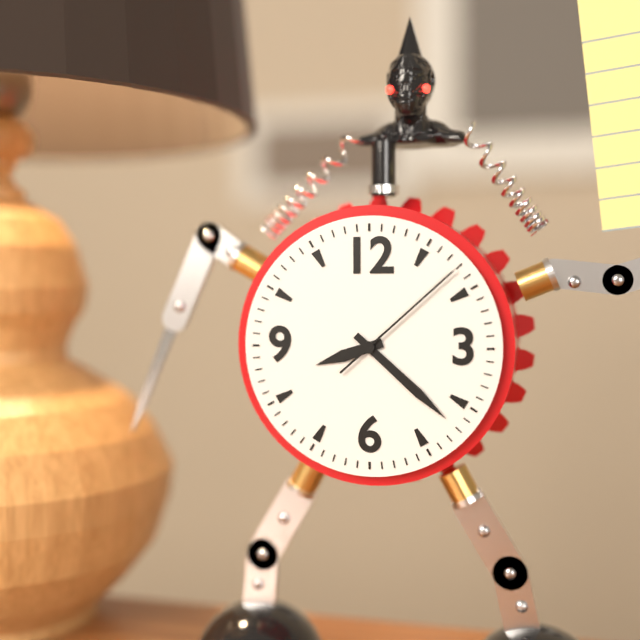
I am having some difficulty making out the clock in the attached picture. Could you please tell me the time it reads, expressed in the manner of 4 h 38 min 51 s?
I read 8 h 22 min 08 s
